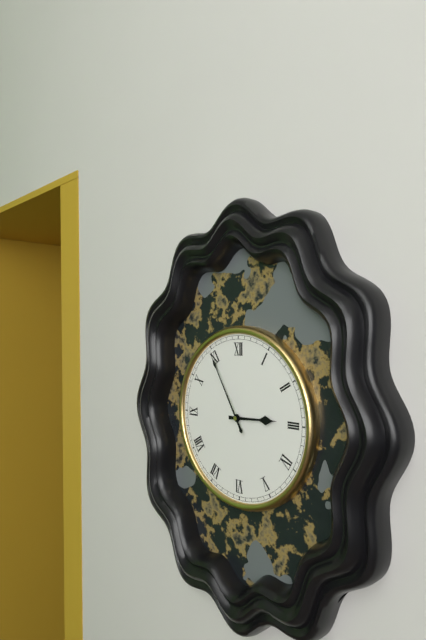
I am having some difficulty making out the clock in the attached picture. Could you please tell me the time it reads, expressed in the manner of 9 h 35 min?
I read 2 h 55 min
